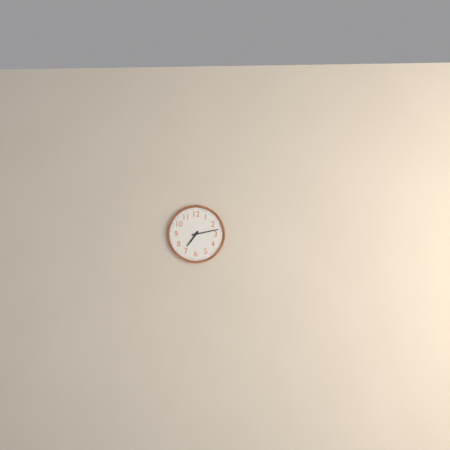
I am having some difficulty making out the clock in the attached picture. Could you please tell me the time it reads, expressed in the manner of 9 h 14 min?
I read 7 h 13 min
